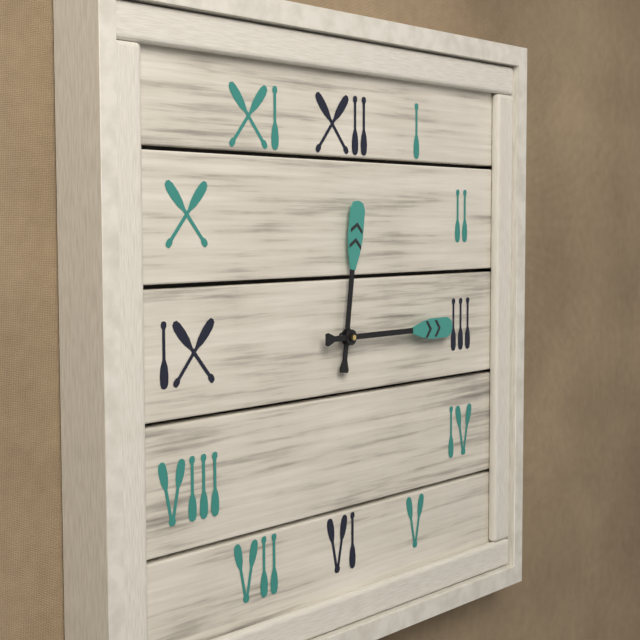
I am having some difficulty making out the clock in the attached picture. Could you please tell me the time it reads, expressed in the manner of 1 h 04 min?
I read 12 h 15 min
